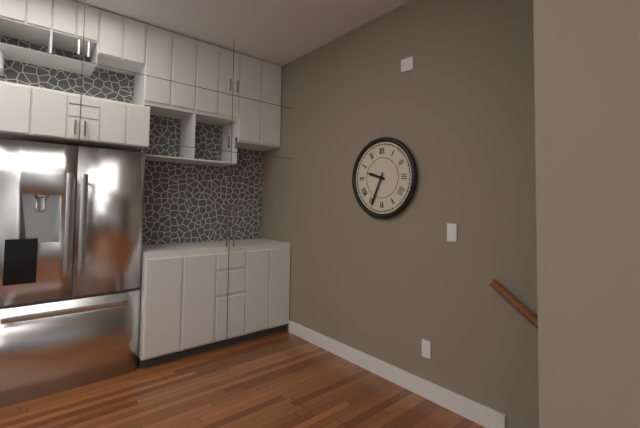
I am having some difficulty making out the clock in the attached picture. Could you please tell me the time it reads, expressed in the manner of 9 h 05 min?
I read 9 h 34 min
